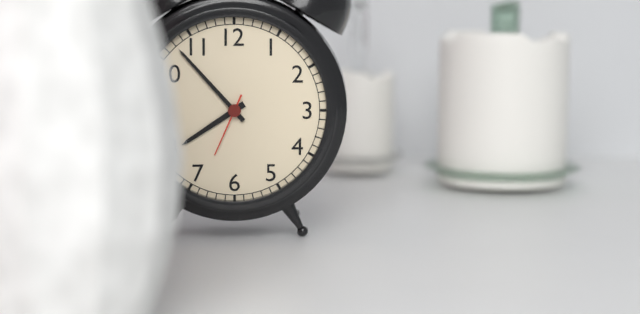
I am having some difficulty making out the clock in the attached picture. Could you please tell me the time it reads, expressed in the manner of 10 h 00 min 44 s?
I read 7 h 53 min 34 s
